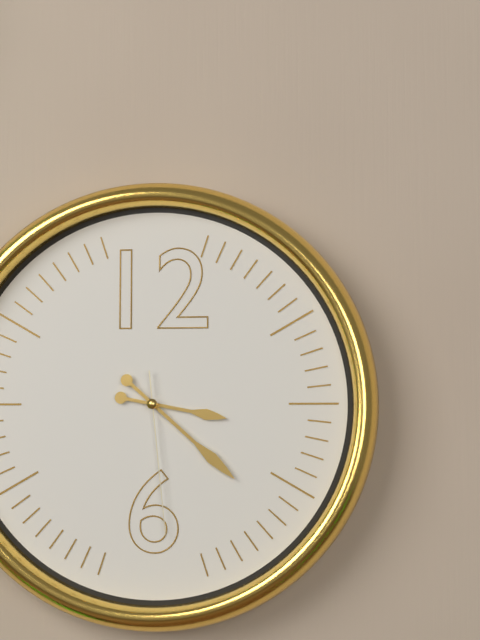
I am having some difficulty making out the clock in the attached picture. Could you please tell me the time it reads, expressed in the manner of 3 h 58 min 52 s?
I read 3 h 22 min 29 s
